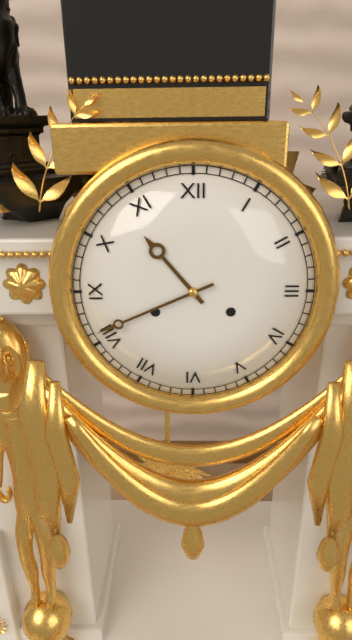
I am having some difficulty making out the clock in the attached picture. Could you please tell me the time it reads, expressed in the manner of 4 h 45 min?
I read 10 h 41 min
